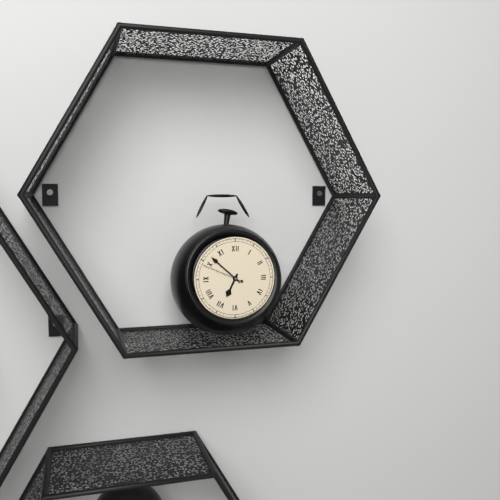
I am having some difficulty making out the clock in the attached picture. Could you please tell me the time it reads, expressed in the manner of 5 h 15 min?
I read 6 h 52 min
